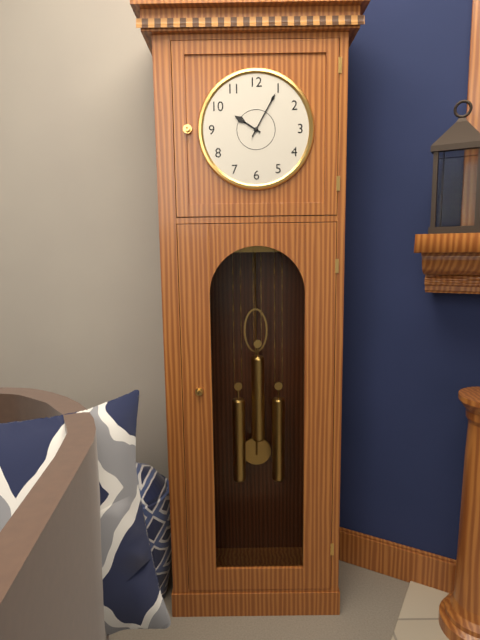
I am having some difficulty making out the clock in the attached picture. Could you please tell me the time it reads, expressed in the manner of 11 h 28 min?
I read 10 h 05 min
